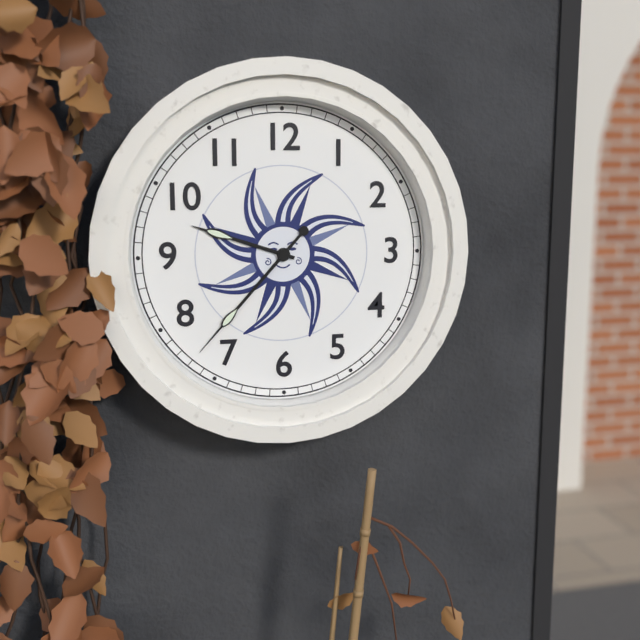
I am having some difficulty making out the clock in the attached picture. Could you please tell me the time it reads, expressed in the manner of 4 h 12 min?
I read 9 h 37 min
